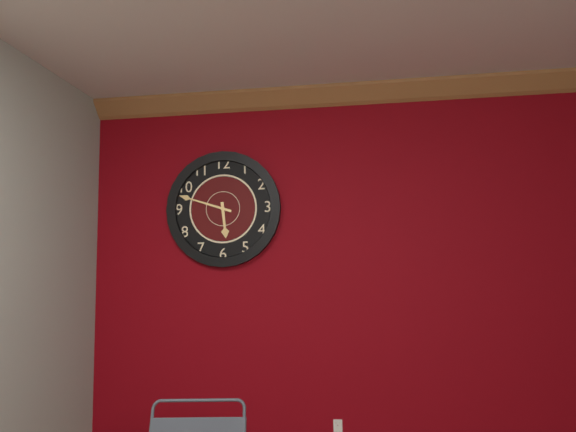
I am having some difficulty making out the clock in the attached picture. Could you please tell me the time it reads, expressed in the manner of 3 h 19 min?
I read 5 h 48 min
